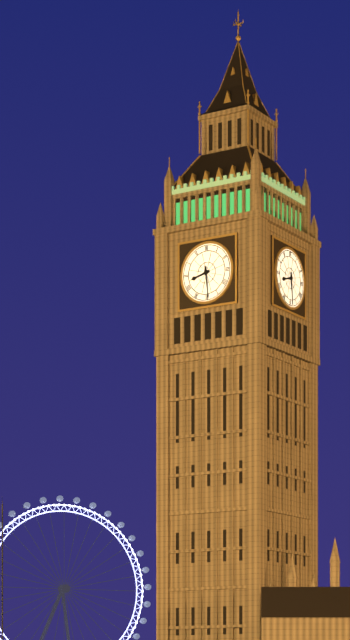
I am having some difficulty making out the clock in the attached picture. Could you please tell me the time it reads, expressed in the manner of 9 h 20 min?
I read 8 h 29 min
